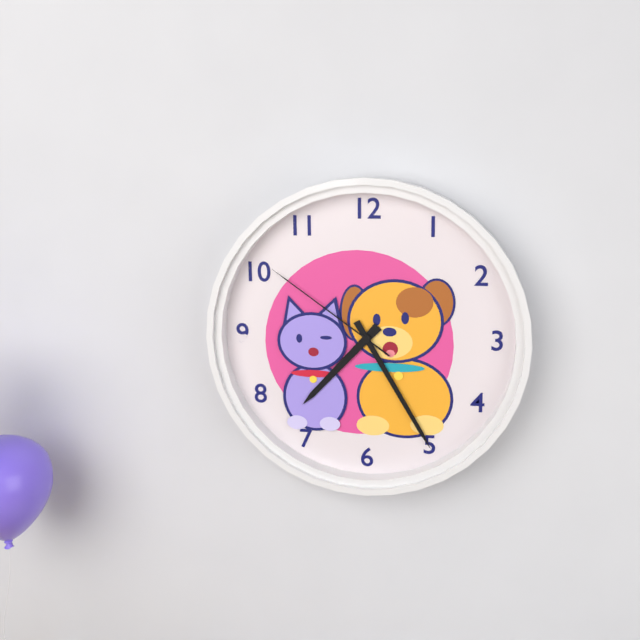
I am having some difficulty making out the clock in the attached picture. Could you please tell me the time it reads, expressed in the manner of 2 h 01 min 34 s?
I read 7 h 25 min 51 s
